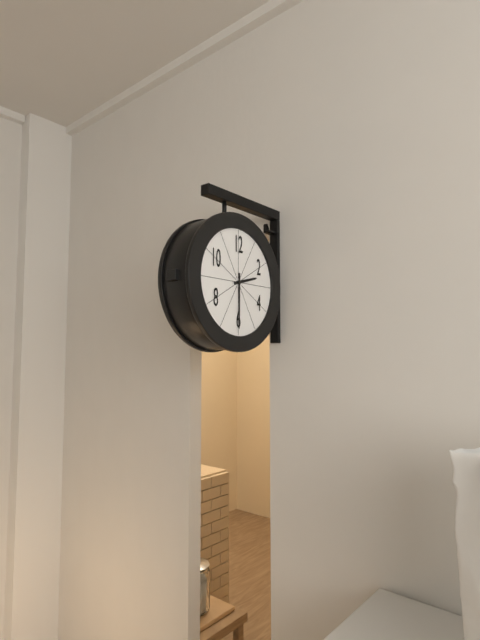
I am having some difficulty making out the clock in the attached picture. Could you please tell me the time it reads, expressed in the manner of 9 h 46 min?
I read 2 h 30 min
